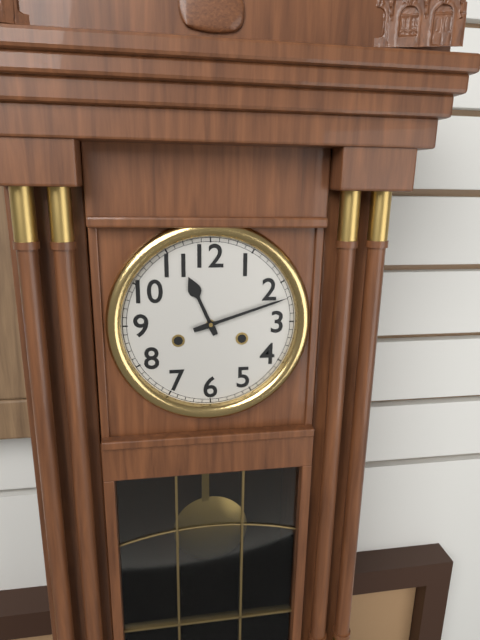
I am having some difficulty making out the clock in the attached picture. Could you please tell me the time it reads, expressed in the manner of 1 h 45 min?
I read 11 h 12 min
